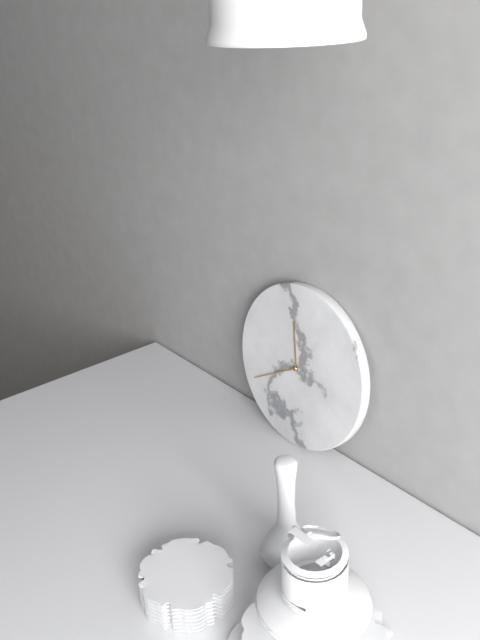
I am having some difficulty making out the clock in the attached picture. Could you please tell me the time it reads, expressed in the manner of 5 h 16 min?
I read 11 h 40 min
